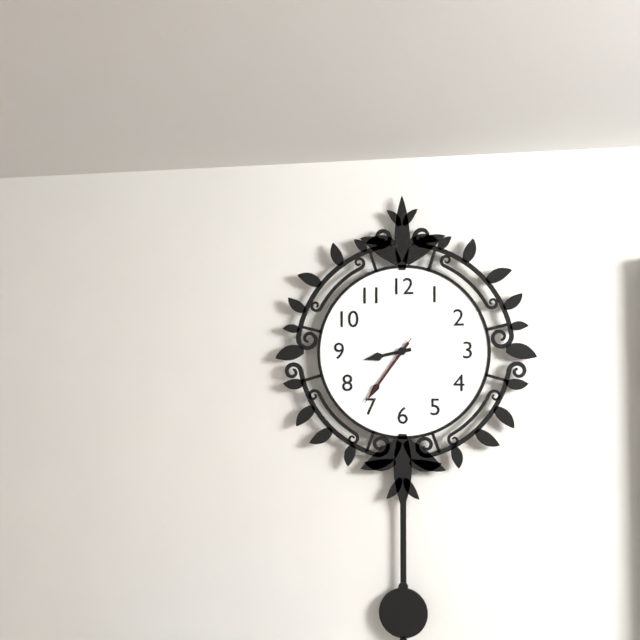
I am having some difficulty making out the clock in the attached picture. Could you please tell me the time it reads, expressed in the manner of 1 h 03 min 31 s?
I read 8 h 36 min 36 s
